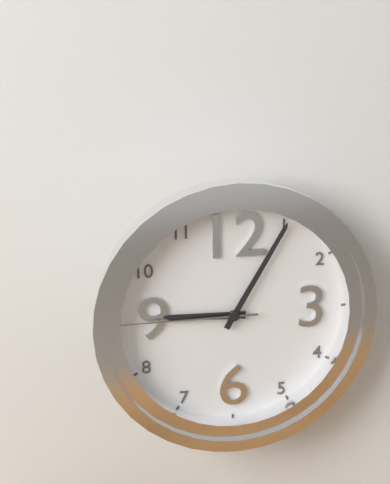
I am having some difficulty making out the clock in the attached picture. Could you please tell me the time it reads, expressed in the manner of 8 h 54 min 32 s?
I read 9 h 05 min 45 s
